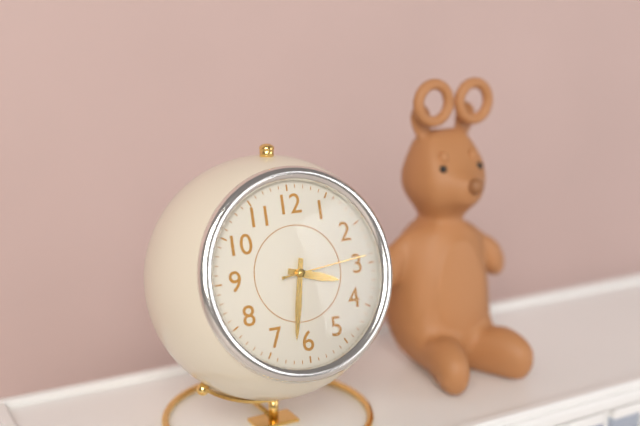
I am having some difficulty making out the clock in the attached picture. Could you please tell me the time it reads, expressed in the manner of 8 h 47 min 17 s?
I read 3 h 32 min 14 s
